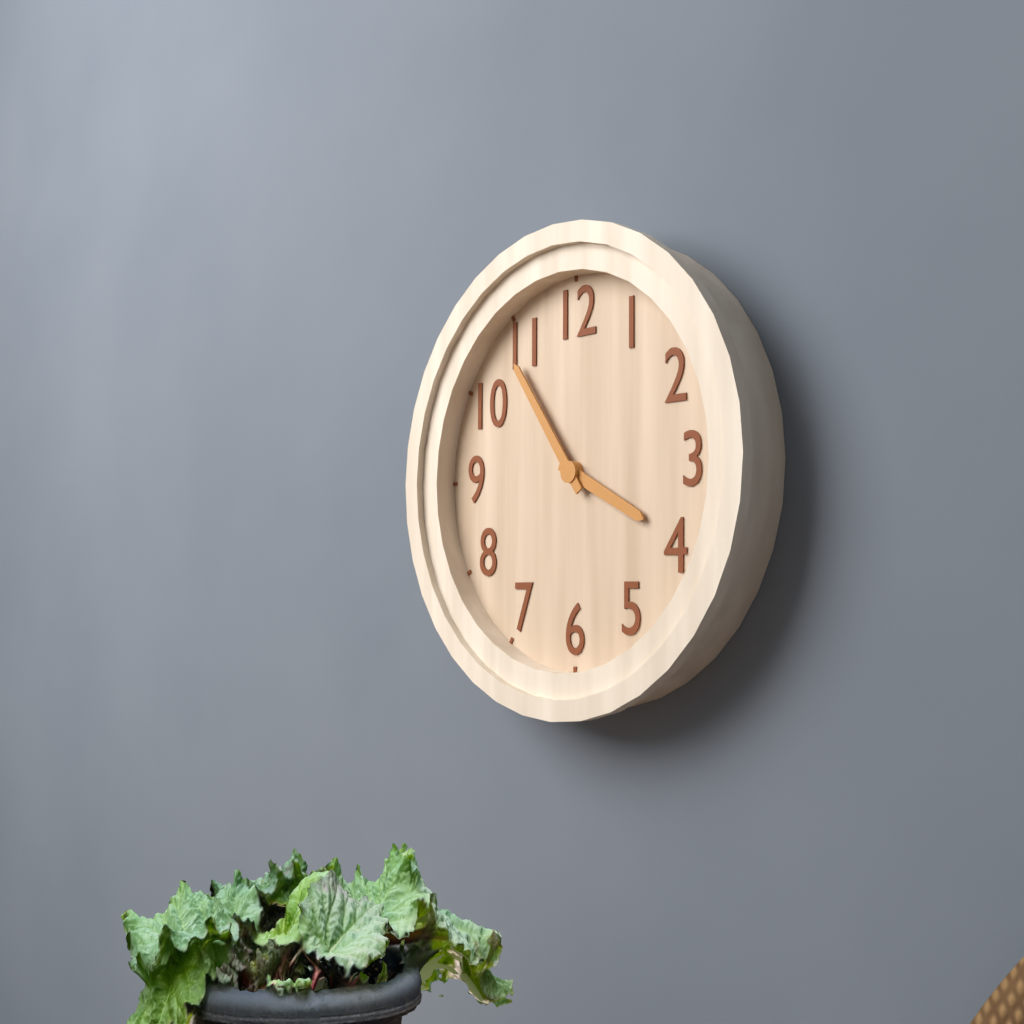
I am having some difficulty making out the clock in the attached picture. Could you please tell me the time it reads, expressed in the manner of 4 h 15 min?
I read 3 h 54 min
